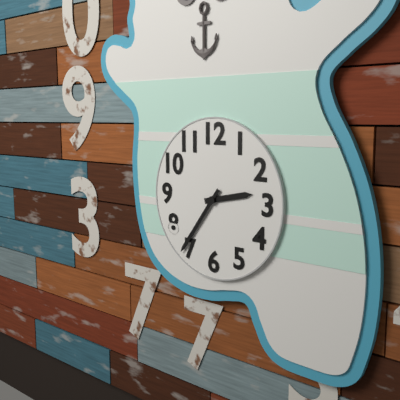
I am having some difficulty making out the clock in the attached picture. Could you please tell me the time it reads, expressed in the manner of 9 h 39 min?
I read 2 h 36 min
